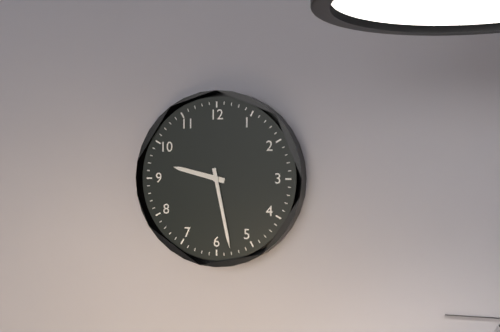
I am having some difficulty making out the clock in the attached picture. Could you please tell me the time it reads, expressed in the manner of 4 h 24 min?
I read 9 h 28 min
